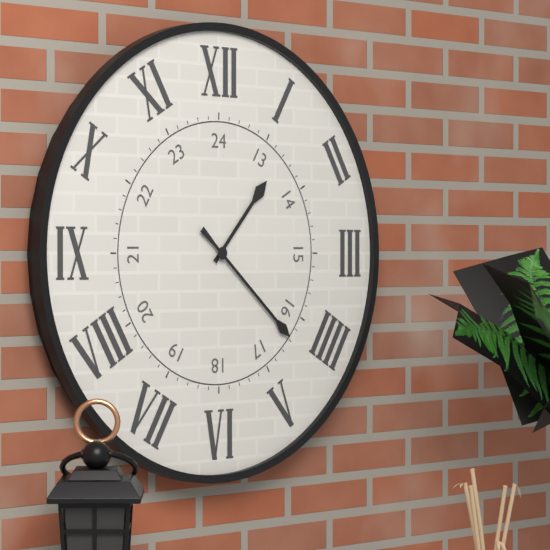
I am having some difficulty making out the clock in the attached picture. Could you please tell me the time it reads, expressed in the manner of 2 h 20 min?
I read 1 h 22 min
